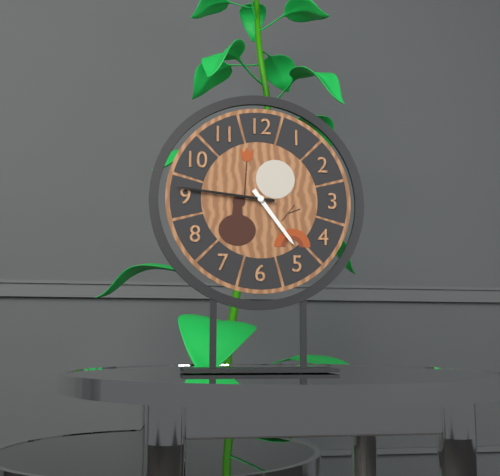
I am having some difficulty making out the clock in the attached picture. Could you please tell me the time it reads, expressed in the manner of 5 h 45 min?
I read 4 h 46 min
